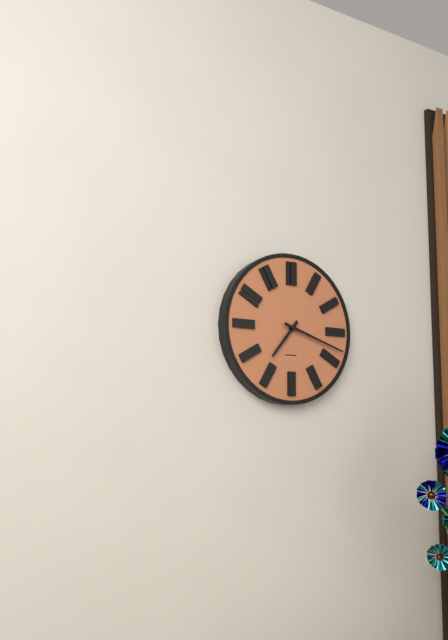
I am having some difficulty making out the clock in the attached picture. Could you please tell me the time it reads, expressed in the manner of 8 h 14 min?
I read 7 h 18 min
